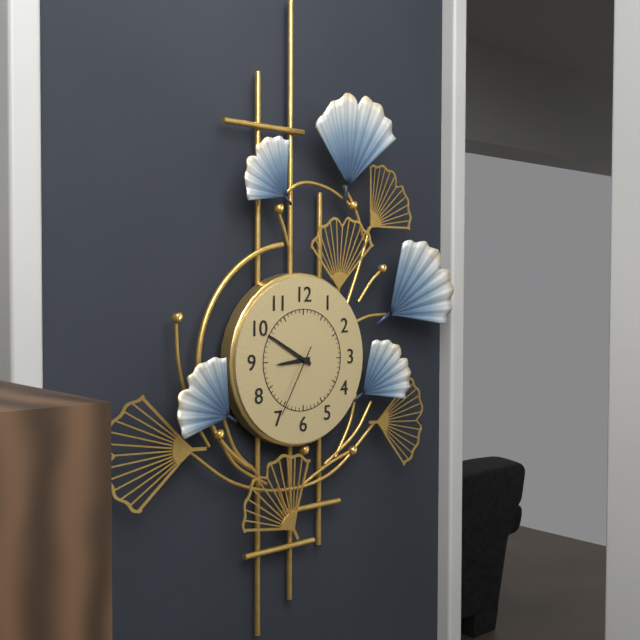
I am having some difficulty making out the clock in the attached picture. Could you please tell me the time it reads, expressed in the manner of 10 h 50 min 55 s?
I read 8 h 50 min 35 s
